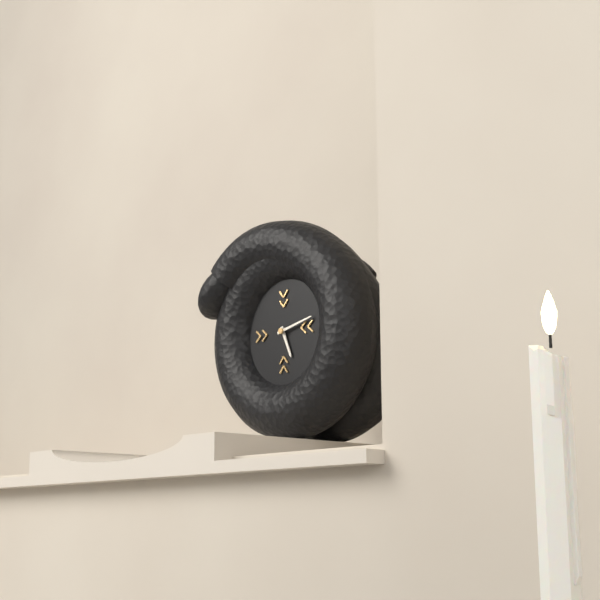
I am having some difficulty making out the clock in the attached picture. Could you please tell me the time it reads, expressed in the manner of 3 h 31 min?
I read 5 h 13 min
